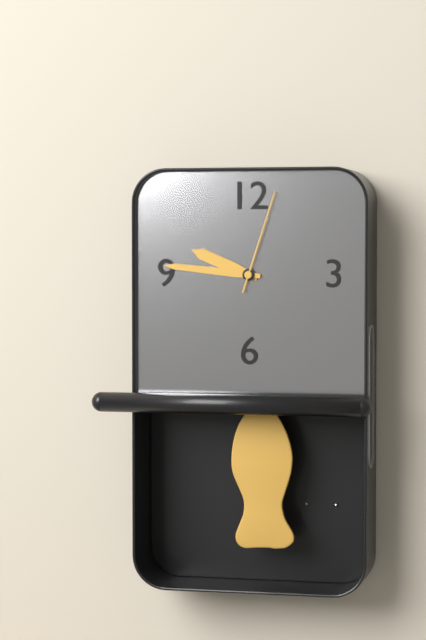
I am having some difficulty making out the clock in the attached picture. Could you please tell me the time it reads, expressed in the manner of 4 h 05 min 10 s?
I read 9 h 46 min 03 s
